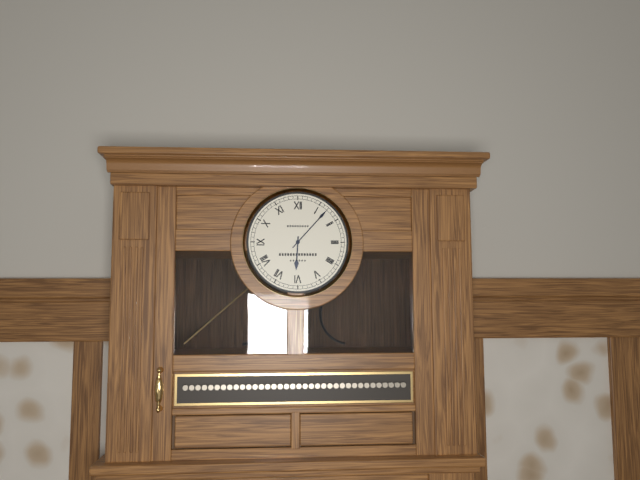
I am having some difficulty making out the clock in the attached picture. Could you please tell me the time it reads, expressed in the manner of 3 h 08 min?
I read 6 h 07 min
